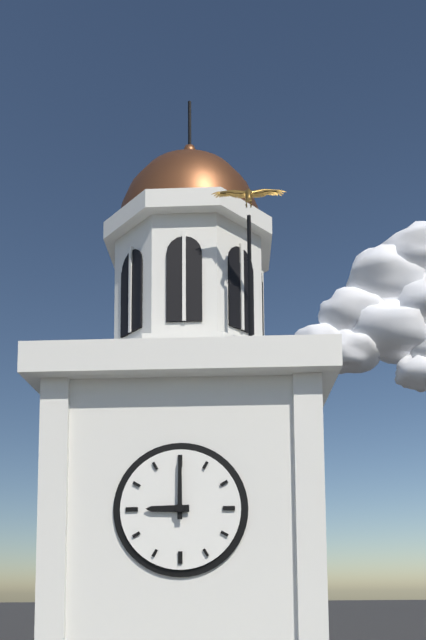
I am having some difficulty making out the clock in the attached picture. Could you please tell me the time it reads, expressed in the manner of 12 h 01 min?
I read 9 h 00 min
